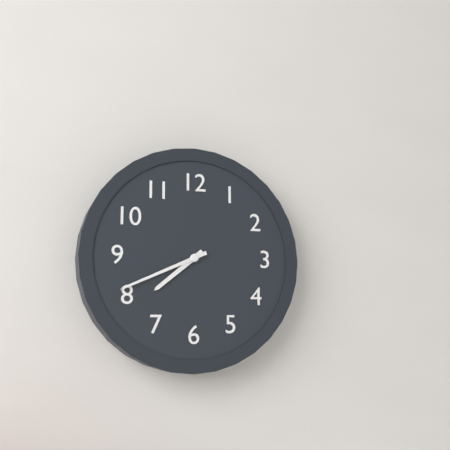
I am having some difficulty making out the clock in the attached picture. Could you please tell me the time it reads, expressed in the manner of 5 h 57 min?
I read 7 h 41 min
